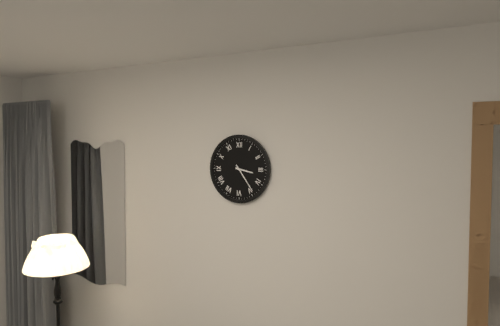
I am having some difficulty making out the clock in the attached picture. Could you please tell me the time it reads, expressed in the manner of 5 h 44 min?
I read 3 h 24 min
